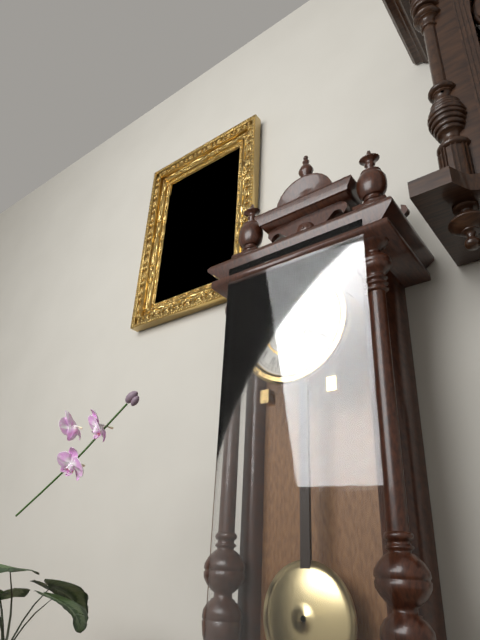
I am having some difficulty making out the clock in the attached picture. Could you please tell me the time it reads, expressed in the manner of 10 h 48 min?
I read 11 h 20 min
